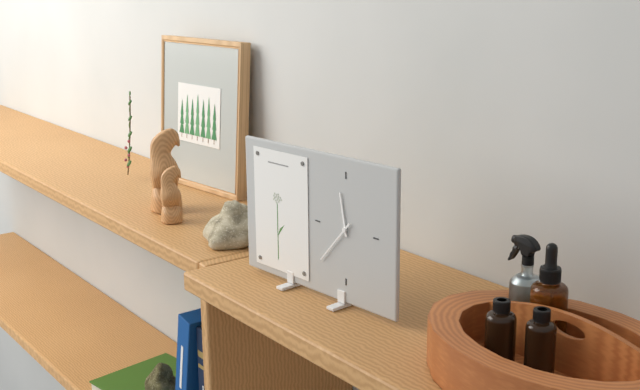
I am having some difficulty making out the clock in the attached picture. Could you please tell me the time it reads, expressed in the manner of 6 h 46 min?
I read 11 h 37 min
